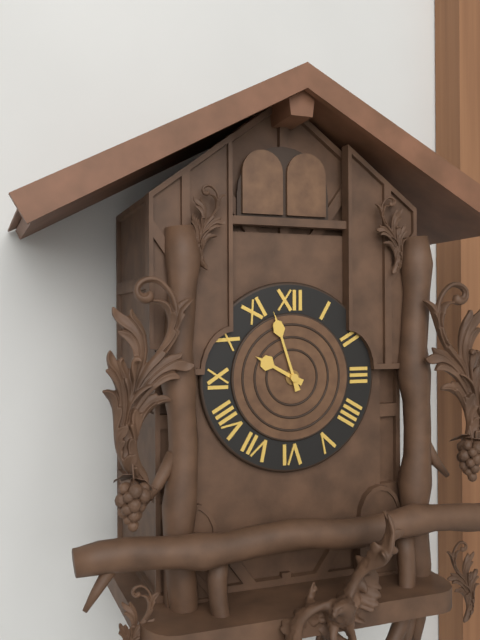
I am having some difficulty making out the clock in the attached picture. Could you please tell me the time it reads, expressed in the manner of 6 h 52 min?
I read 9 h 57 min
